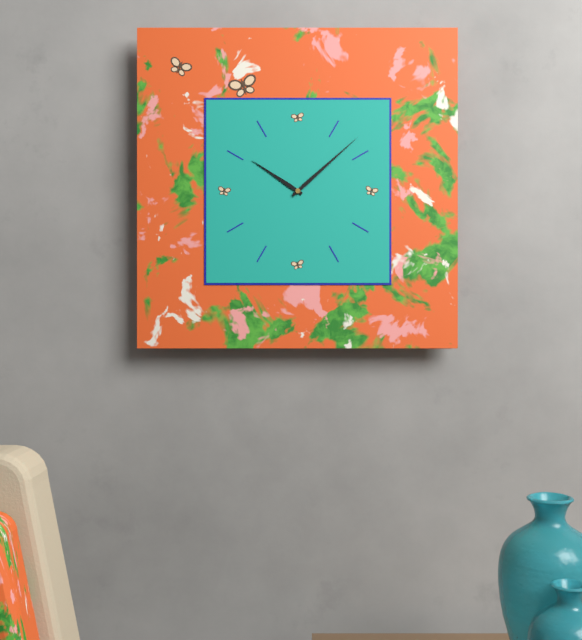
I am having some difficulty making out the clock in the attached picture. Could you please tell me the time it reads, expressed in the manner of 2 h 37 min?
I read 10 h 08 min
